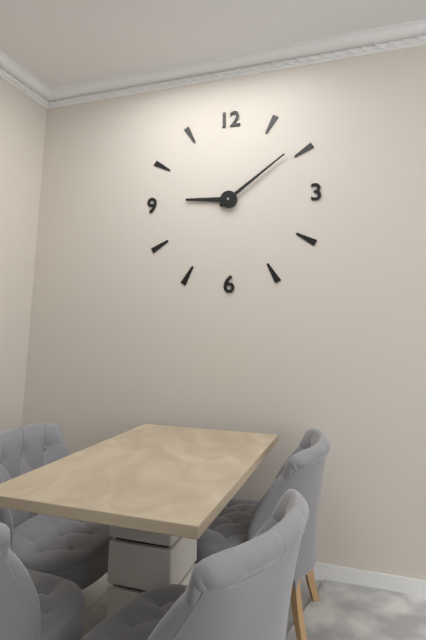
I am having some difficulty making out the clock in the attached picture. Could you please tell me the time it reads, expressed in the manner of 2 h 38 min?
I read 9 h 09 min
